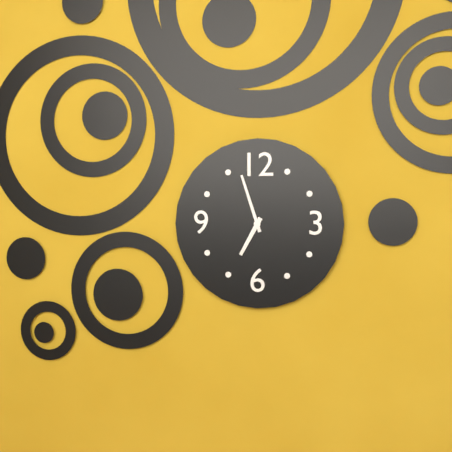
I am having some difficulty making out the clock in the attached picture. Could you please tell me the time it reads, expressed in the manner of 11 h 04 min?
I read 6 h 57 min
